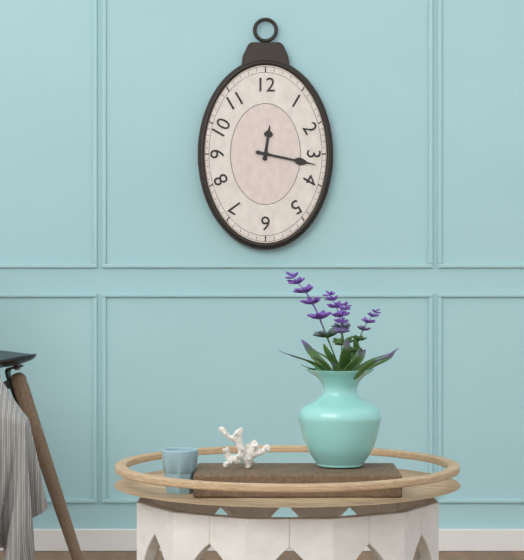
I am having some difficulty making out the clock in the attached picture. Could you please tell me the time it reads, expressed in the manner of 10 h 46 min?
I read 12 h 17 min
